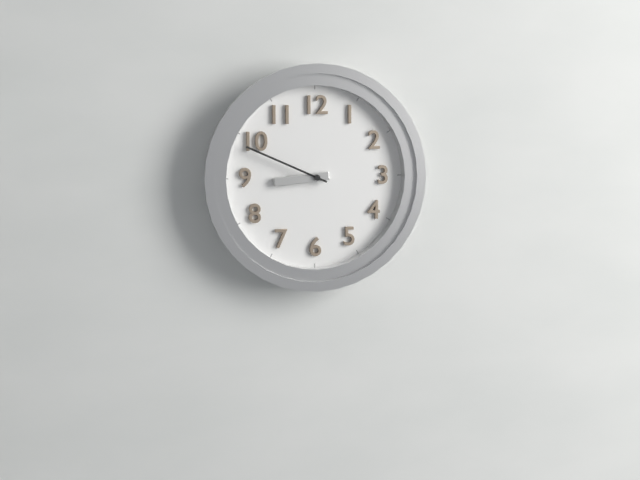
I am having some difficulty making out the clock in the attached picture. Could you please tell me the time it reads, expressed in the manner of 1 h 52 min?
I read 8 h 49 min
